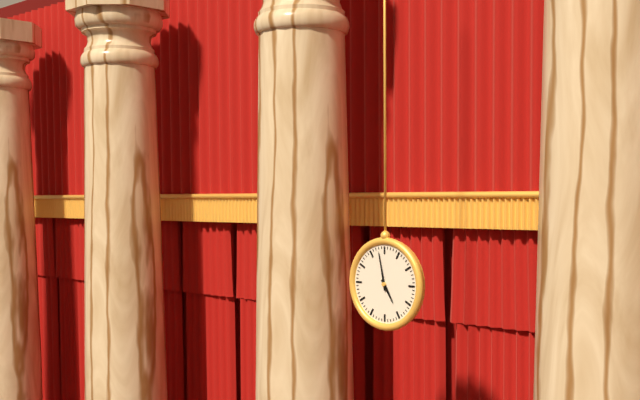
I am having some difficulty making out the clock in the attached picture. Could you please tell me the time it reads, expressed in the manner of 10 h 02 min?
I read 4 h 58 min
